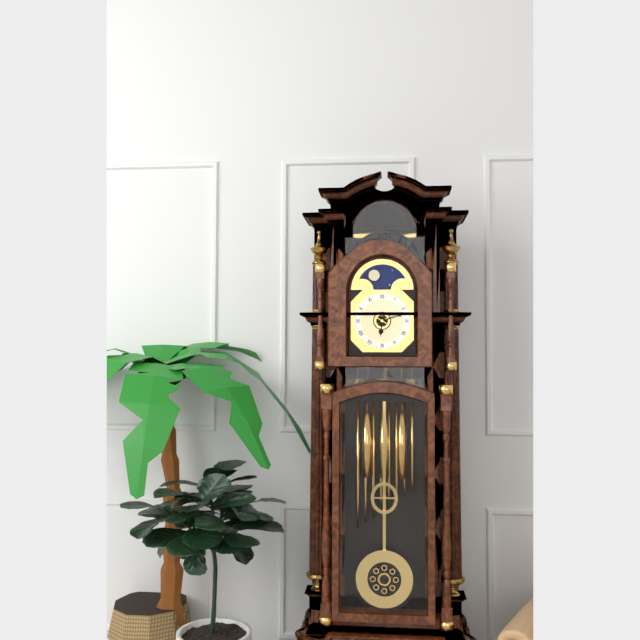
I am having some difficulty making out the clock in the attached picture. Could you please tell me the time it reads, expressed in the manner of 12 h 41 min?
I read 6 h 12 min
